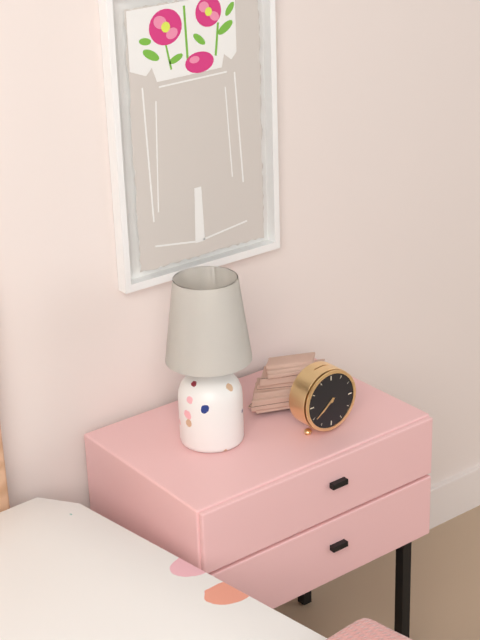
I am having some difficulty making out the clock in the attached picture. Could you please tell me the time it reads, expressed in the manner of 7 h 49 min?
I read 7 h 39 min
